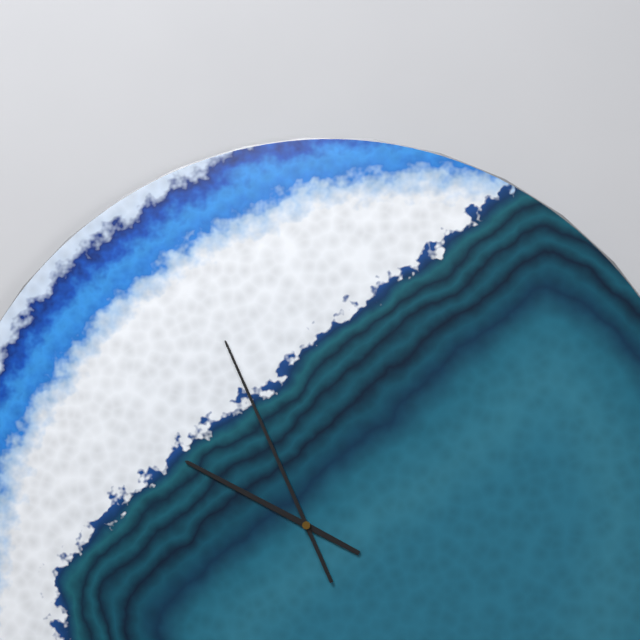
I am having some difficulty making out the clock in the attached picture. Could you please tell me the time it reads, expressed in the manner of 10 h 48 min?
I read 9 h 56 min
